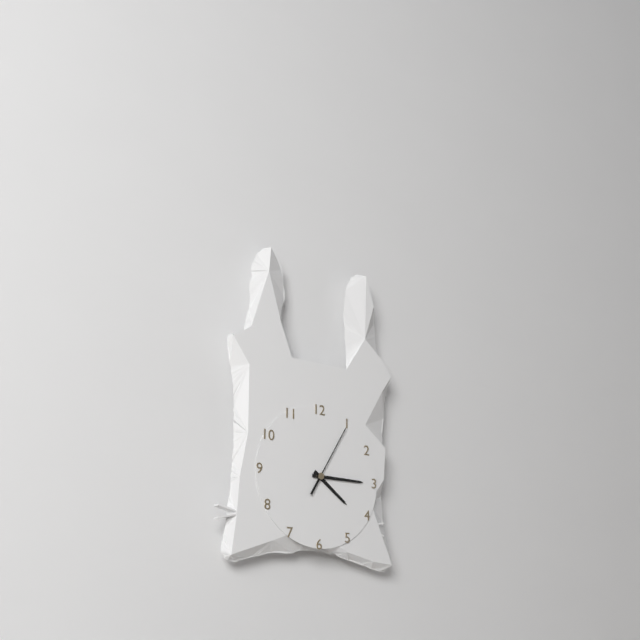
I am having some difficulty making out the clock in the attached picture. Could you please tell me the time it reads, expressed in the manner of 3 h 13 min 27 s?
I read 4 h 15 min 05 s
